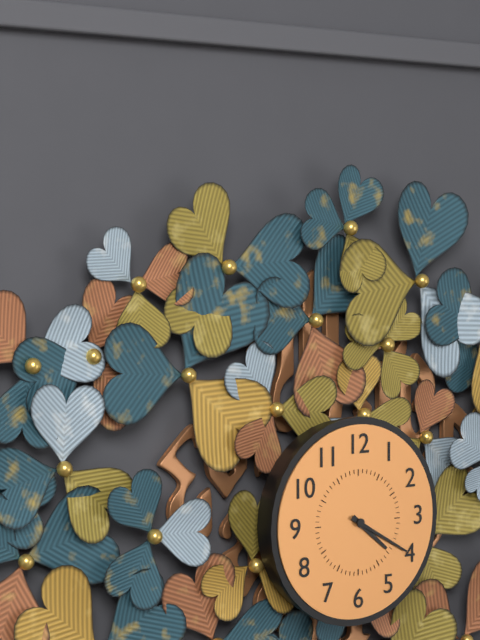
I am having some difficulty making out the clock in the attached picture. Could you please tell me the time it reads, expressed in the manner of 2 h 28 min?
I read 4 h 20 min
